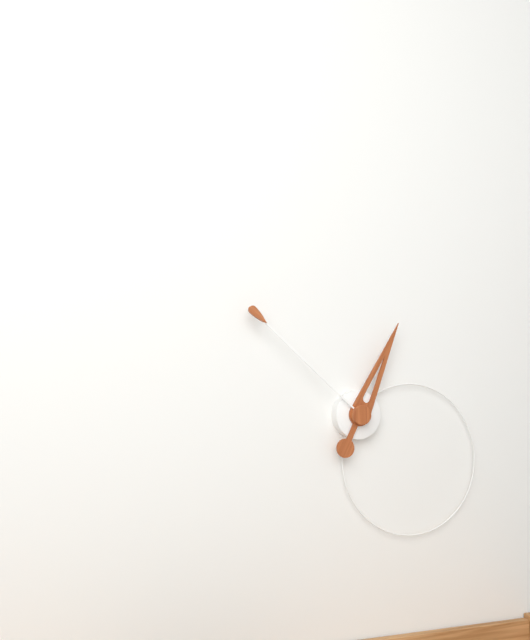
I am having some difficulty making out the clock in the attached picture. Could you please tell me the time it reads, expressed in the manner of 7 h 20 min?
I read 12 h 52 min
